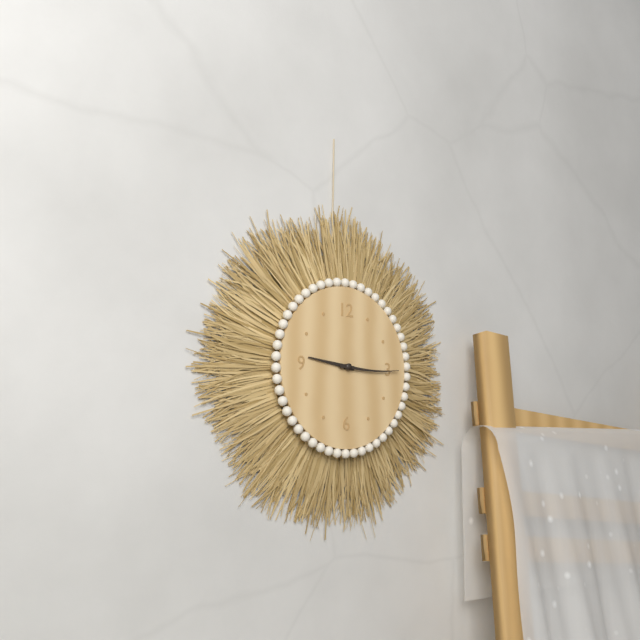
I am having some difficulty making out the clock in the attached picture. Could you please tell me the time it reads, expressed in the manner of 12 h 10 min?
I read 9 h 15 min
